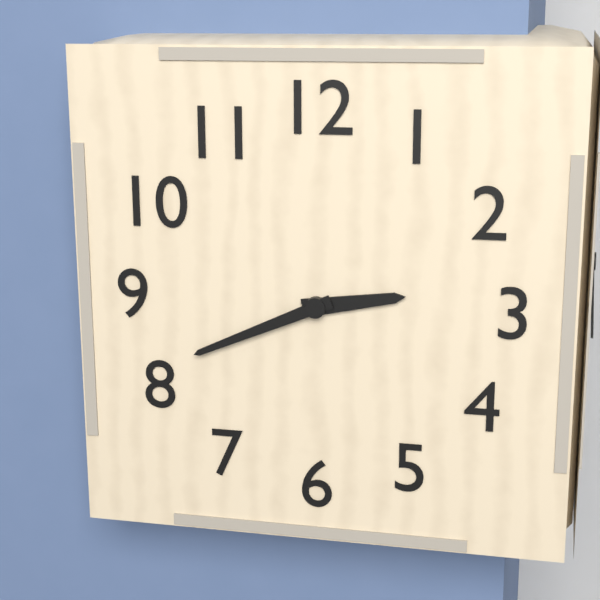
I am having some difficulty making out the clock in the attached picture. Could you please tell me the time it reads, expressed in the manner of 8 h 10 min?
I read 2 h 41 min
